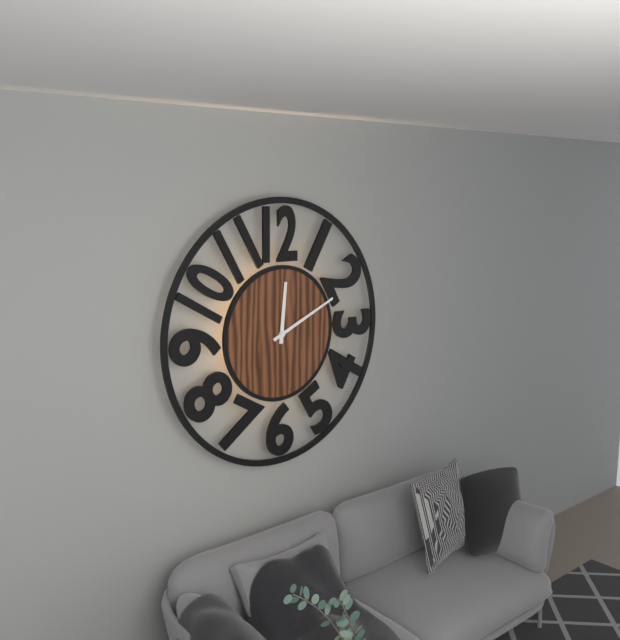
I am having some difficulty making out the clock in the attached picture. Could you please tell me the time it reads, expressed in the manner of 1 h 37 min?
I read 12 h 11 min
